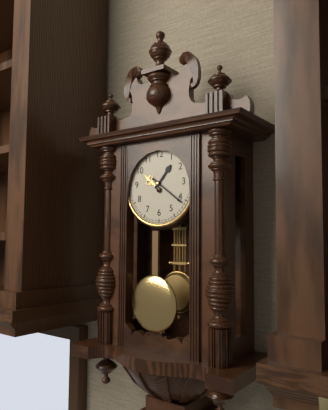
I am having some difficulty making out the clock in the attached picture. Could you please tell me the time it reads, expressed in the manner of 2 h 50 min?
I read 1 h 21 min
